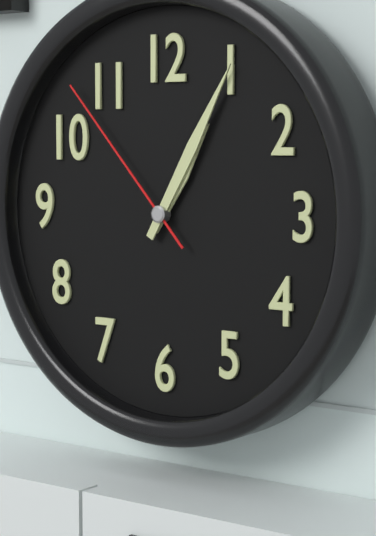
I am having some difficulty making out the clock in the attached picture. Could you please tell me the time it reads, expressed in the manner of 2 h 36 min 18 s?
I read 1 h 05 min 53 s
